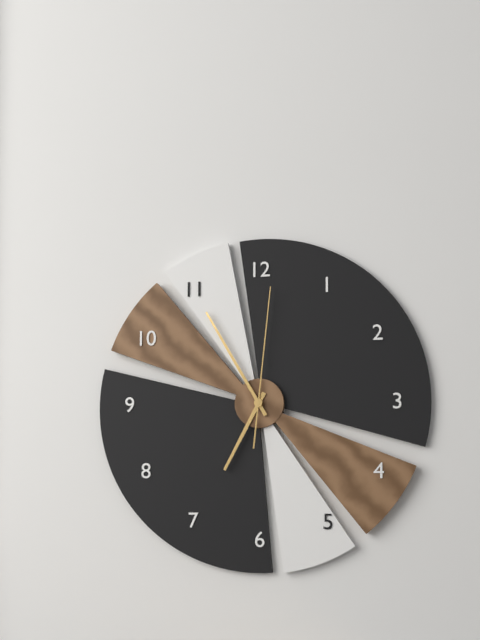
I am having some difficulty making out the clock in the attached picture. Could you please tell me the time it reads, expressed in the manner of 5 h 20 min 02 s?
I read 6 h 55 min 01 s
